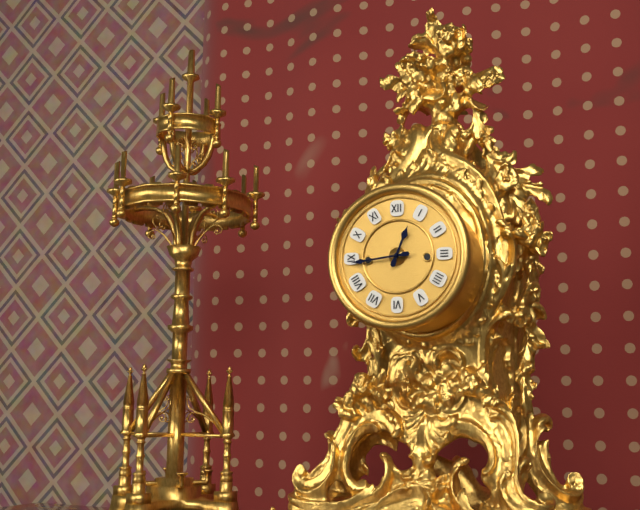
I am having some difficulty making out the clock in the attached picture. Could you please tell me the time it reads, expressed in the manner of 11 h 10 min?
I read 12 h 44 min
